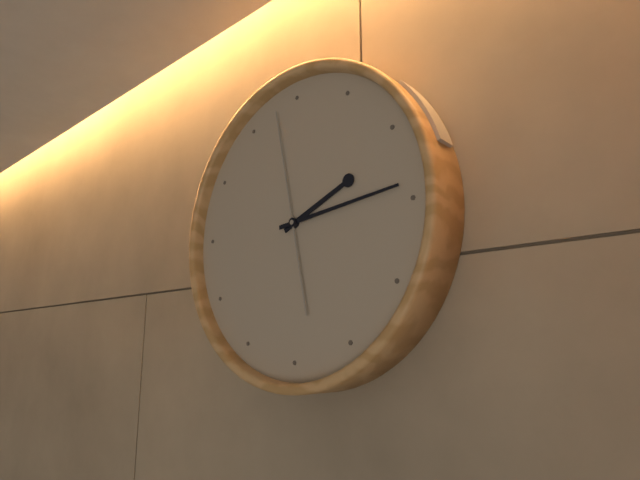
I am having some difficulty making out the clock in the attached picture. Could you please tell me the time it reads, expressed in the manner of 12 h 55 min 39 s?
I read 2 h 14 min 58 s
